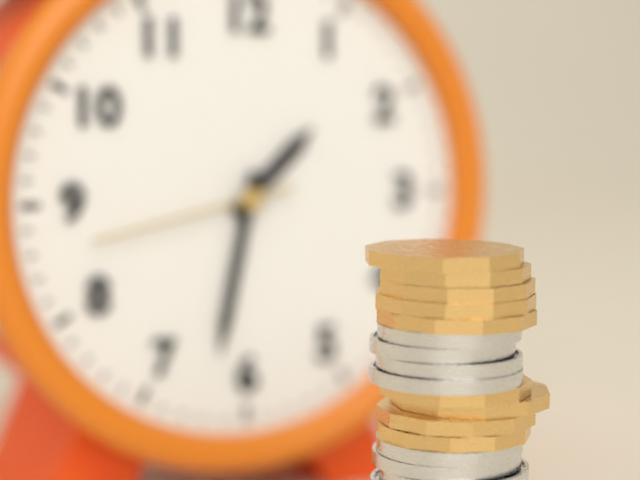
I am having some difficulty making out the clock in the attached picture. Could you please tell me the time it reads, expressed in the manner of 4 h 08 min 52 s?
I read 1 h 32 min 43 s
